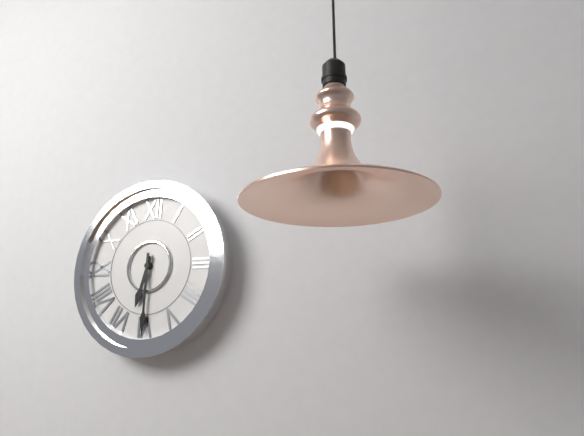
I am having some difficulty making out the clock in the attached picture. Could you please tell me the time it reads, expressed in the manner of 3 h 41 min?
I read 6 h 30 min
